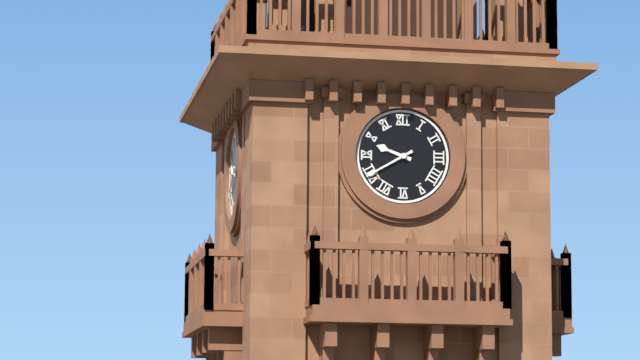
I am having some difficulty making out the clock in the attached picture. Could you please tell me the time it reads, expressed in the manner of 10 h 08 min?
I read 9 h 40 min
